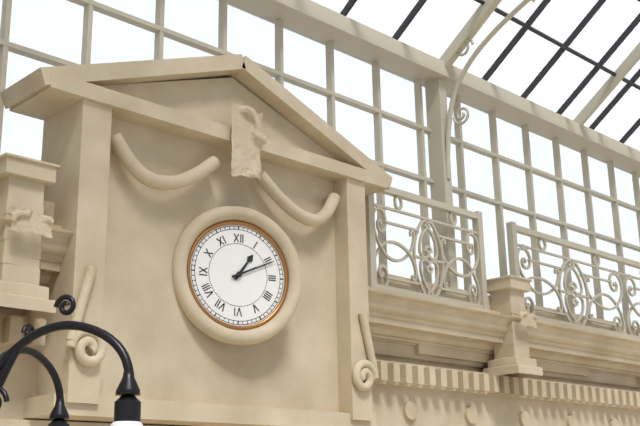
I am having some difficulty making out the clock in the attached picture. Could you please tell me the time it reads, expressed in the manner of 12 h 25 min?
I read 1 h 11 min
